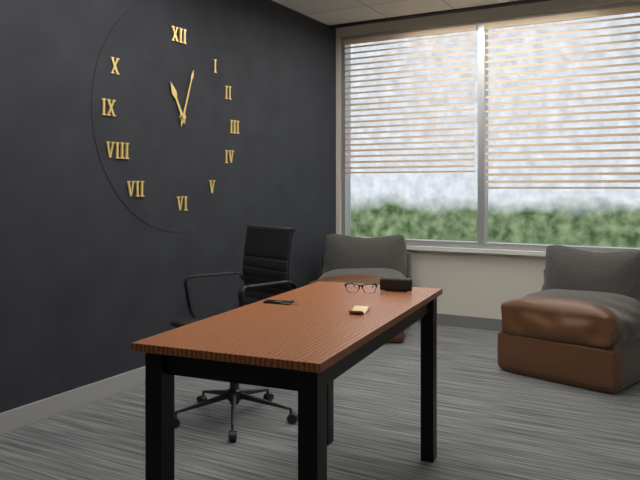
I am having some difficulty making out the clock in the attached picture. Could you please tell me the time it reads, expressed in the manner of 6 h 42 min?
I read 11 h 03 min
